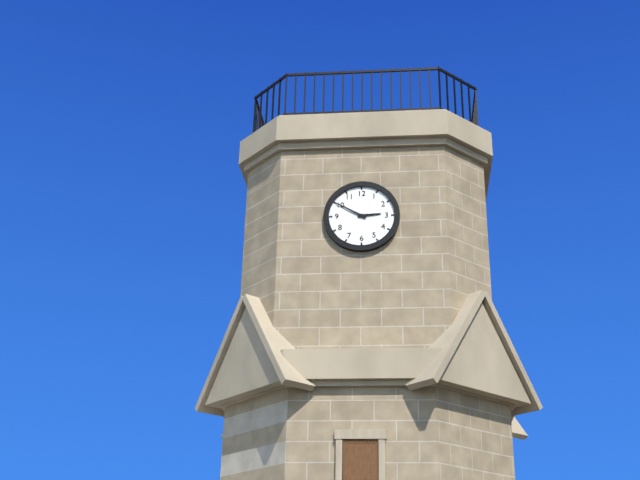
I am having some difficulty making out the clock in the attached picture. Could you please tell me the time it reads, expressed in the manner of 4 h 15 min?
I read 2 h 50 min
